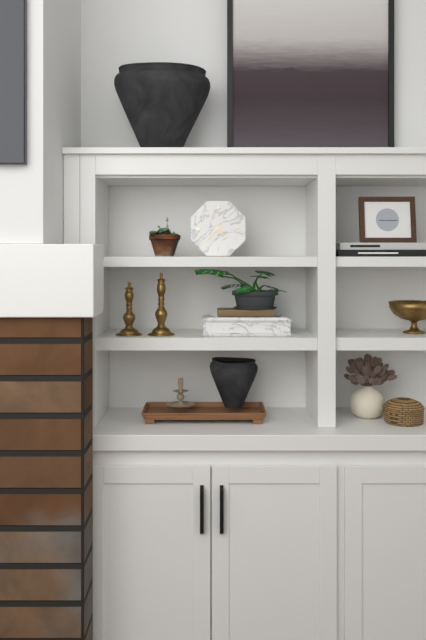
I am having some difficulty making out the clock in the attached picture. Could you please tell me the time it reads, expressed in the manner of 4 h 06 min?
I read 4 h 37 min
